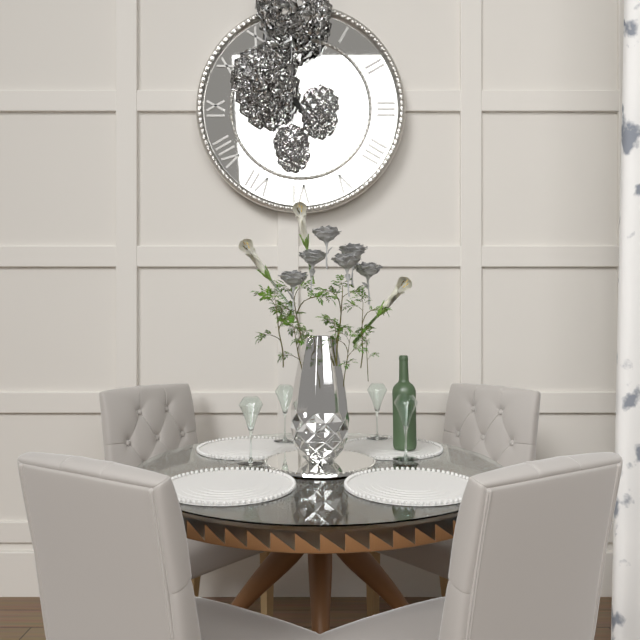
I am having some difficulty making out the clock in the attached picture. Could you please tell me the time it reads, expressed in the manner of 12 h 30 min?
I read 10 h 52 min
